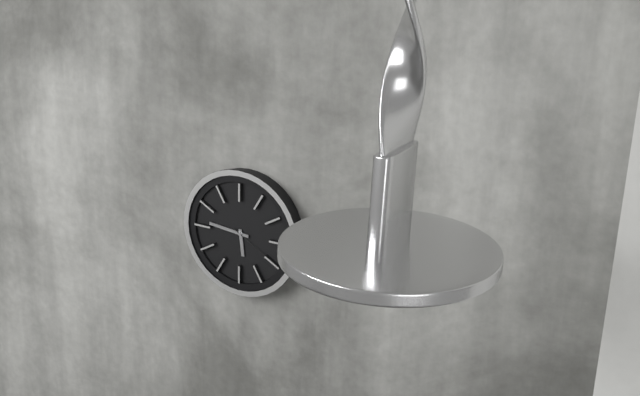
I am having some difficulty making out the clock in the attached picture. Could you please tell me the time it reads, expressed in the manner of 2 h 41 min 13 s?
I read 5 h 46 min 20 s
